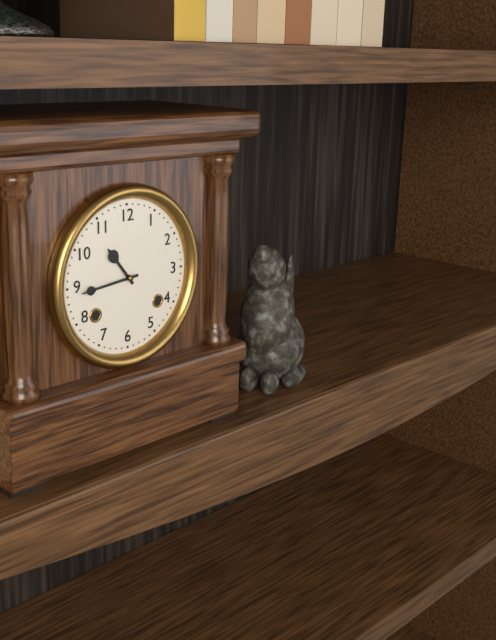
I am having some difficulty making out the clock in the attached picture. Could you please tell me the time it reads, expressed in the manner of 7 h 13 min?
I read 10 h 44 min
